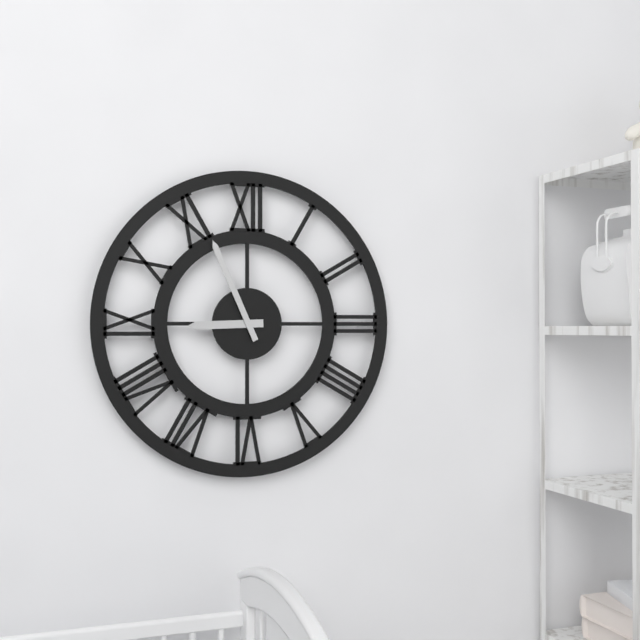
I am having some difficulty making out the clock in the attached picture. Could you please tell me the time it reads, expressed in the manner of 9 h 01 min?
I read 8 h 56 min
